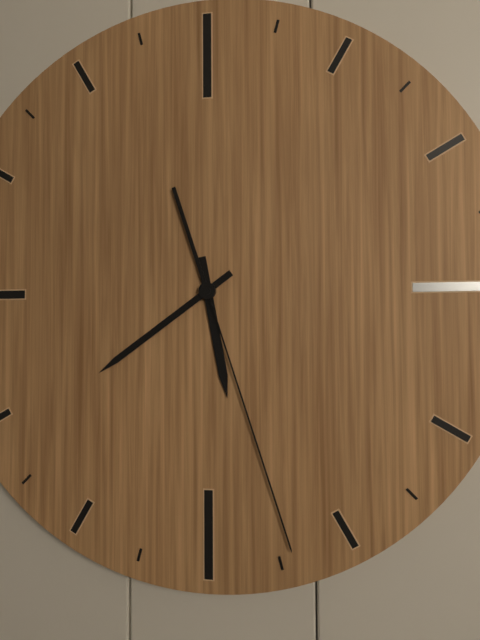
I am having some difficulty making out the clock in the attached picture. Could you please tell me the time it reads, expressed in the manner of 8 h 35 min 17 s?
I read 5 h 39 min 27 s
